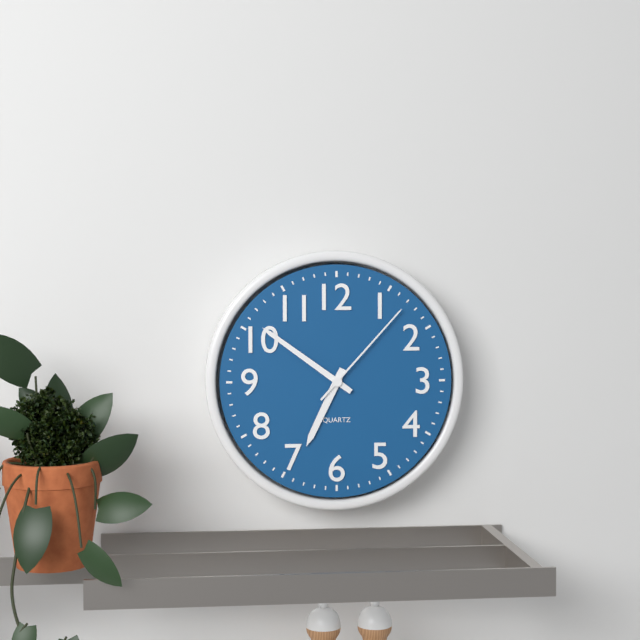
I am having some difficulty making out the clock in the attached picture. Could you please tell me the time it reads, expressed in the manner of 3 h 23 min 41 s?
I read 6 h 51 min 07 s
